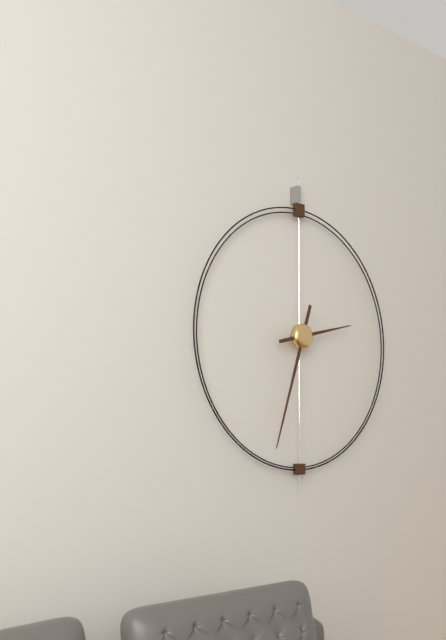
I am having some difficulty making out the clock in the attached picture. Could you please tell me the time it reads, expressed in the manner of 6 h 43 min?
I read 2 h 33 min
